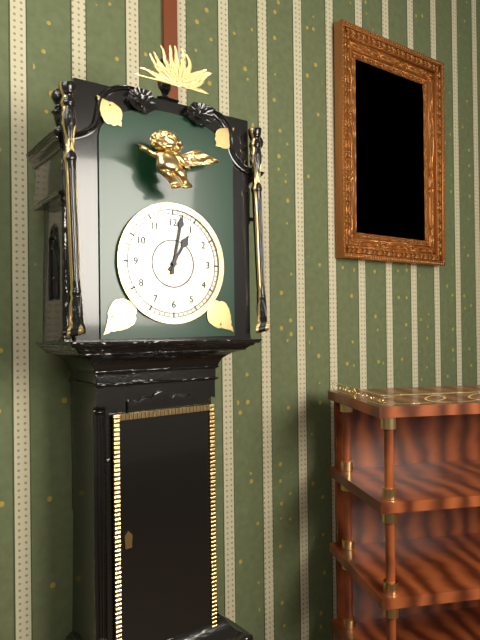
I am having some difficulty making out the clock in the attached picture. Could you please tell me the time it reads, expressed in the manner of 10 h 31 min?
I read 1 h 02 min
